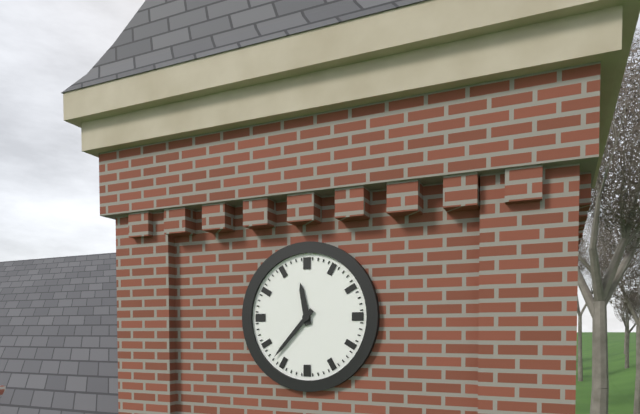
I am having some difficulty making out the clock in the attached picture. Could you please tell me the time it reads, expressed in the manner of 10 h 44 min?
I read 11 h 37 min
